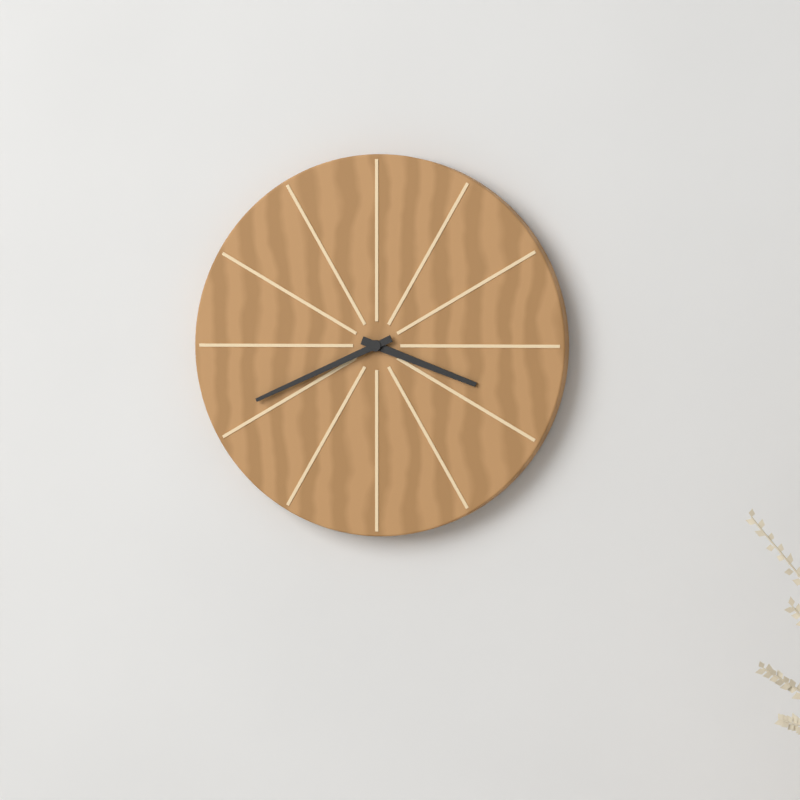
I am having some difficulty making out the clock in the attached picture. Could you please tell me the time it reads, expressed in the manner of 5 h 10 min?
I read 3 h 41 min
